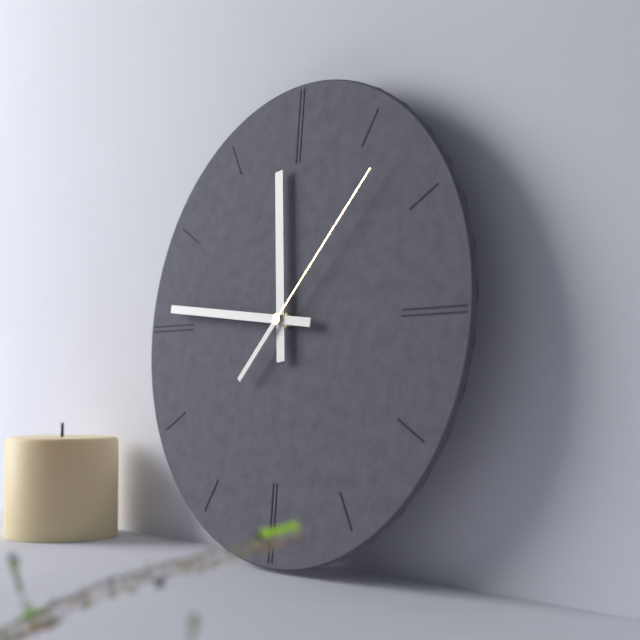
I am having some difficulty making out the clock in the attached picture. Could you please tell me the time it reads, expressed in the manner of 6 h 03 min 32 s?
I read 11 h 46 min 07 s
